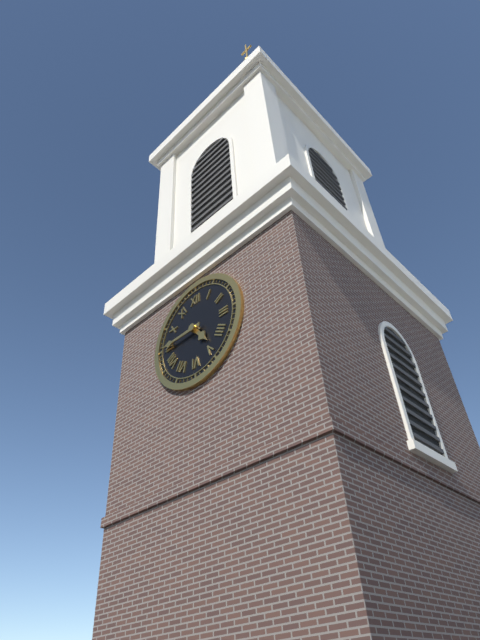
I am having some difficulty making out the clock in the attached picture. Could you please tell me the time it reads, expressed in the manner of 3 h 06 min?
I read 4 h 45 min
